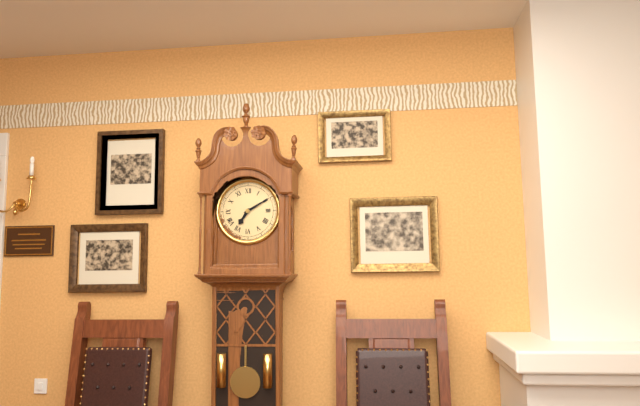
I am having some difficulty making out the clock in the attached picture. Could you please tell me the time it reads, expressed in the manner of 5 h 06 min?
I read 7 h 10 min
